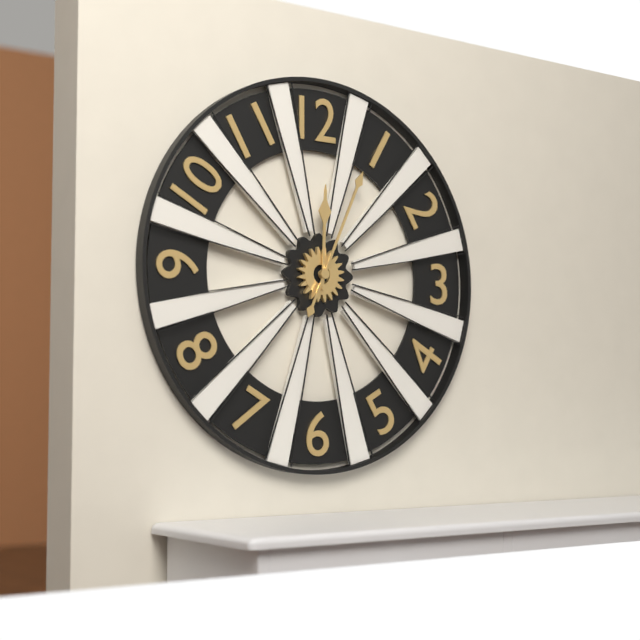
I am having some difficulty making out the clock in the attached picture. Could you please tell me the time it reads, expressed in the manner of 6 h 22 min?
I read 12 h 04 min
